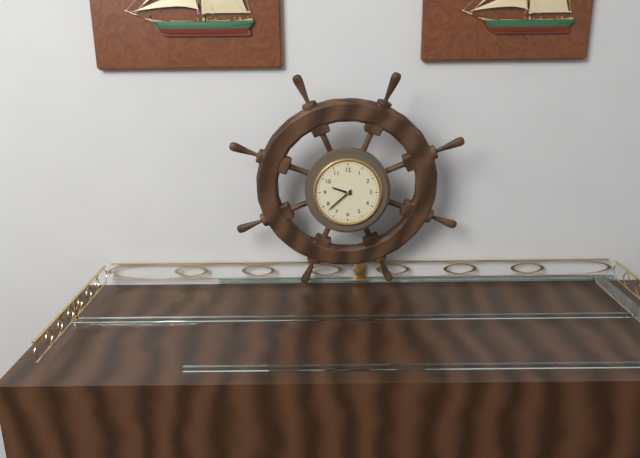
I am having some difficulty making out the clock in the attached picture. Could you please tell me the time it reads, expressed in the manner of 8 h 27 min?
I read 9 h 38 min
